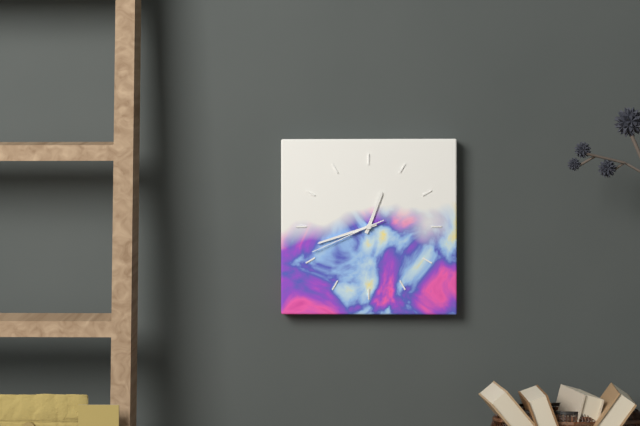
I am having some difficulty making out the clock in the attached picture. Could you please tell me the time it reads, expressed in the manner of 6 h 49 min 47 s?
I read 12 h 42 min 41 s
